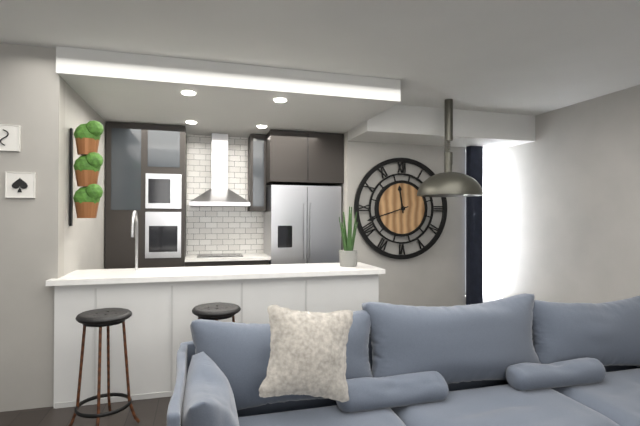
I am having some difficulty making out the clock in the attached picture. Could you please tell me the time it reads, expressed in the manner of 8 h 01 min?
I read 11 h 42 min
